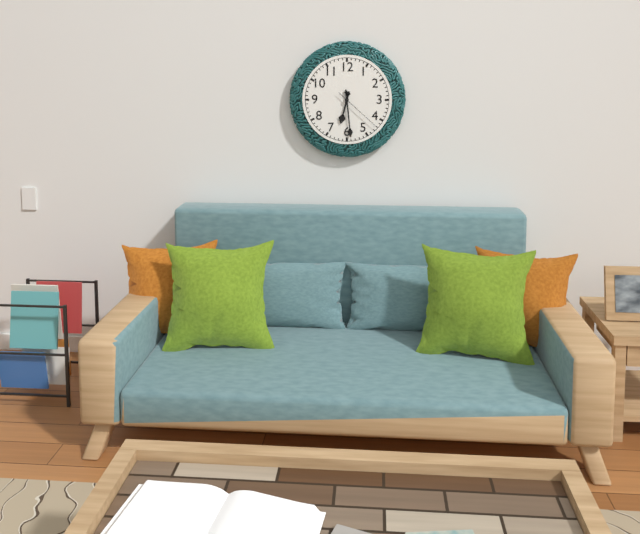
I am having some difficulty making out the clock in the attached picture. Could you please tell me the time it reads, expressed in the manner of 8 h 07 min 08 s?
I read 6 h 29 min 22 s
